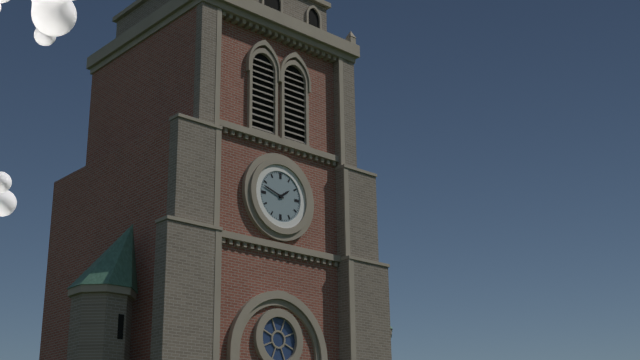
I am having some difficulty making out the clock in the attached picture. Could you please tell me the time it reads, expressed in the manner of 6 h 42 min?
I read 1 h 48 min
